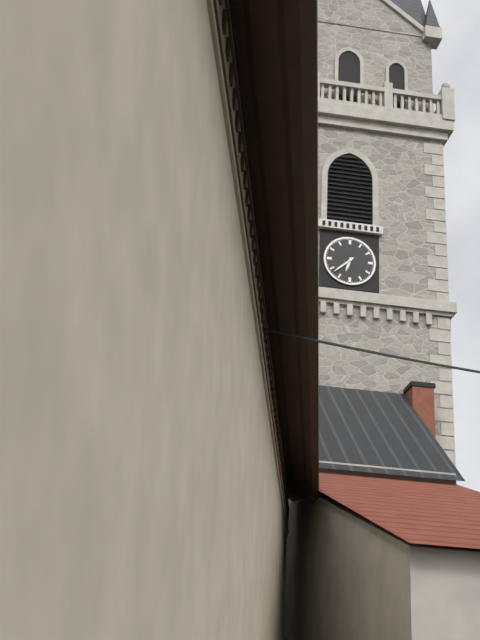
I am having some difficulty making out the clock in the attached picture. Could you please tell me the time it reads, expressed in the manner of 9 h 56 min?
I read 6 h 38 min
